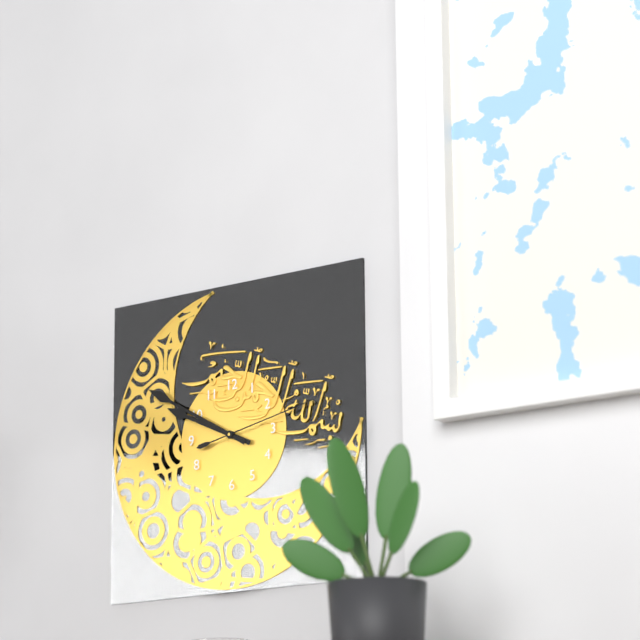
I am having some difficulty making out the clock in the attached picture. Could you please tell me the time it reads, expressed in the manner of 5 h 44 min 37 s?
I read 9 h 50 min 13 s
